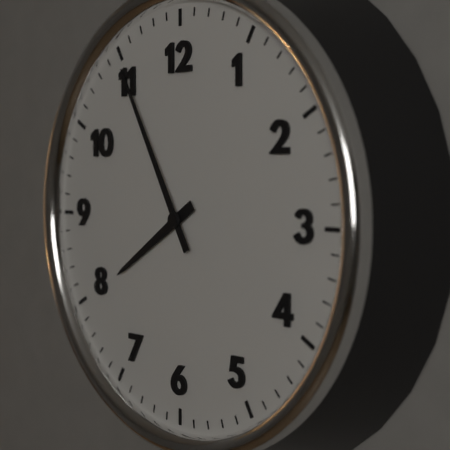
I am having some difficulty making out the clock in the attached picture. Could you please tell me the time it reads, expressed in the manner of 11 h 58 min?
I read 7 h 55 min
